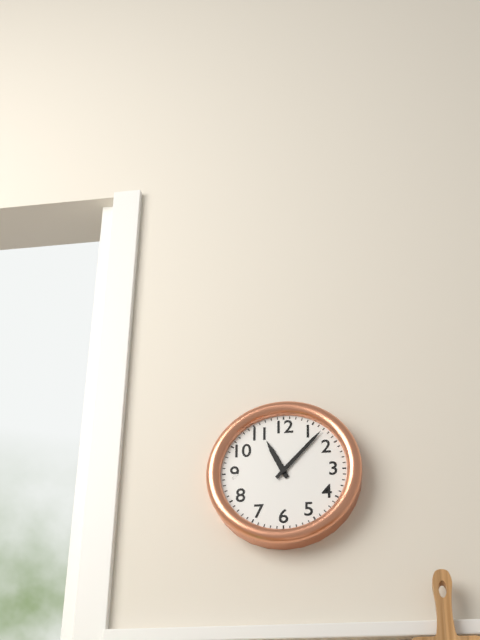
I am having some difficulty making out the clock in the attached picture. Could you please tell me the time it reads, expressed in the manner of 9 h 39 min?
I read 11 h 07 min
